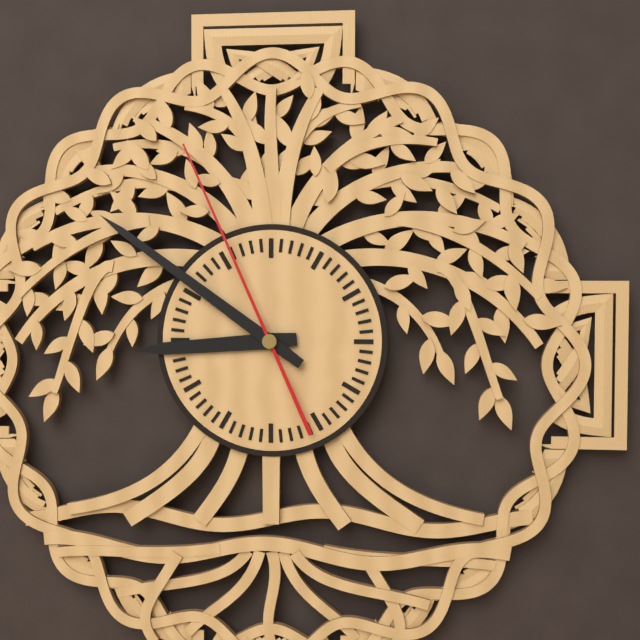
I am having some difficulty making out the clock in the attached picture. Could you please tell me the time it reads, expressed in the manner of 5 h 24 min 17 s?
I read 8 h 51 min 56 s
